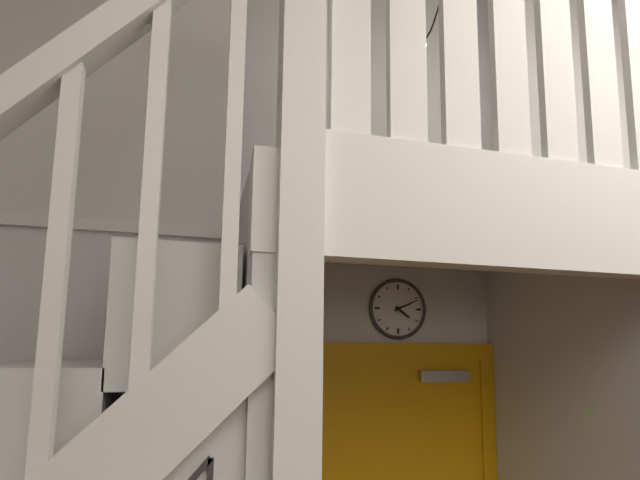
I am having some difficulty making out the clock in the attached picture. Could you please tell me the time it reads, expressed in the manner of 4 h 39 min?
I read 4 h 11 min
